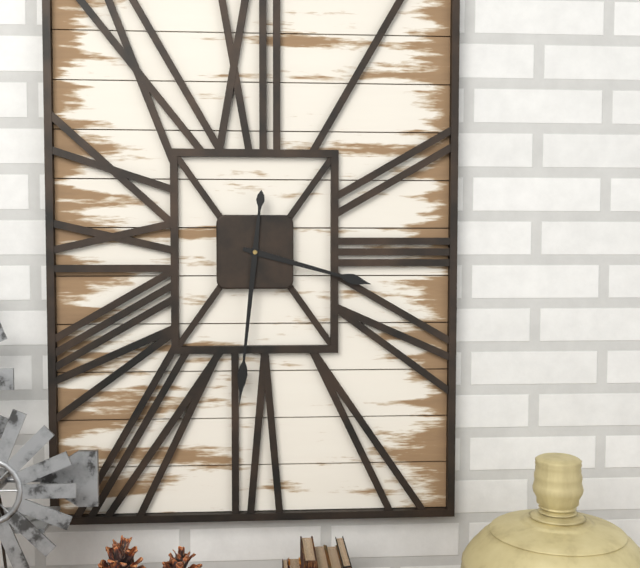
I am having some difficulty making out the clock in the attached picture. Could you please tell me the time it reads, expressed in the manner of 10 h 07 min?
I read 3 h 31 min
